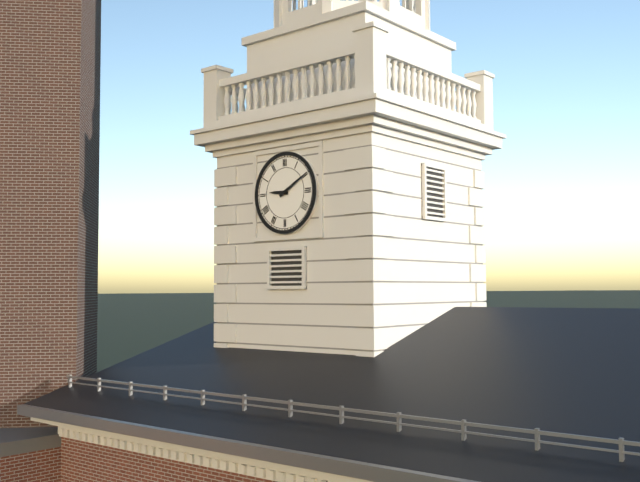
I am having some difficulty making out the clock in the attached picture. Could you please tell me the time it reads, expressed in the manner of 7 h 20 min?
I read 9 h 10 min
